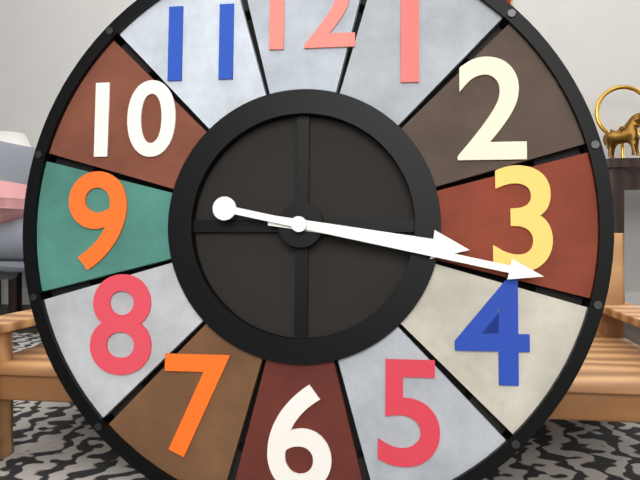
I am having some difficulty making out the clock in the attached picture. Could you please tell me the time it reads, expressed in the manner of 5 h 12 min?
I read 3 h 17 min
